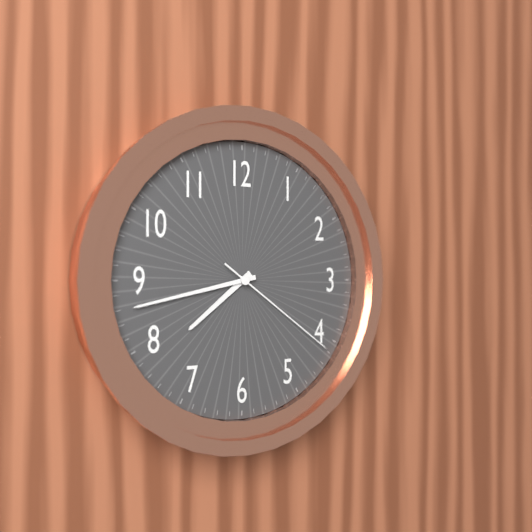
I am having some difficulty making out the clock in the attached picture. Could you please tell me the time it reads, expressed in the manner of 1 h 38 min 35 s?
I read 7 h 43 min 21 s
